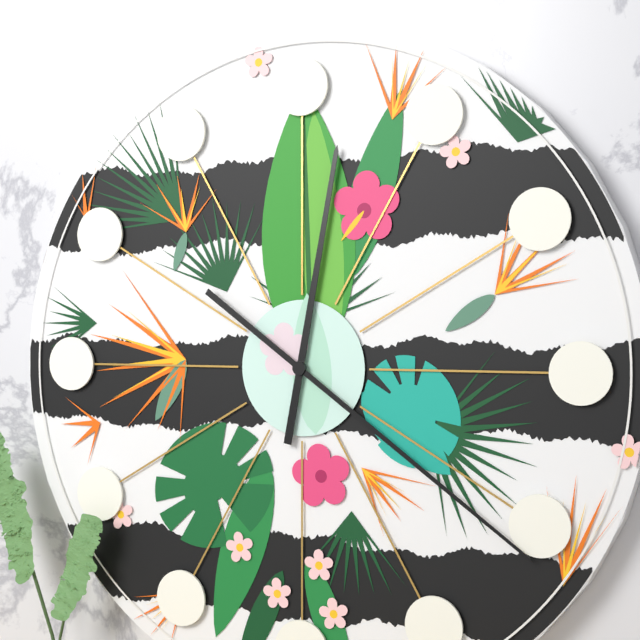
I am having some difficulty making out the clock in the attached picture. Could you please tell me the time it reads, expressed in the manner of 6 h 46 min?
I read 12 h 21 min
